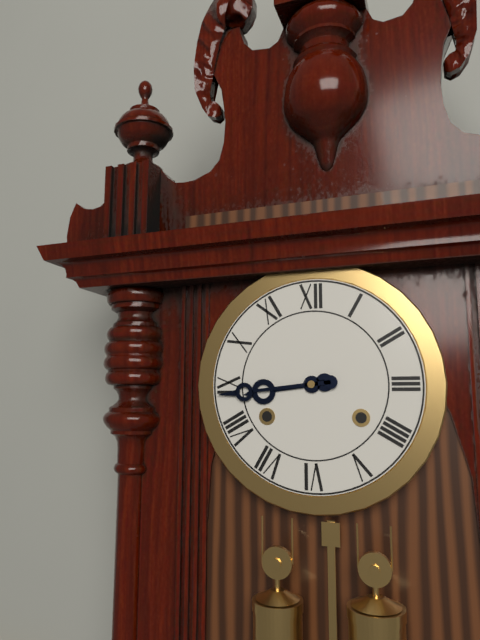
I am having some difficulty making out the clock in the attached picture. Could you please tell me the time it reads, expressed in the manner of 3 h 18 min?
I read 8 h 44 min
